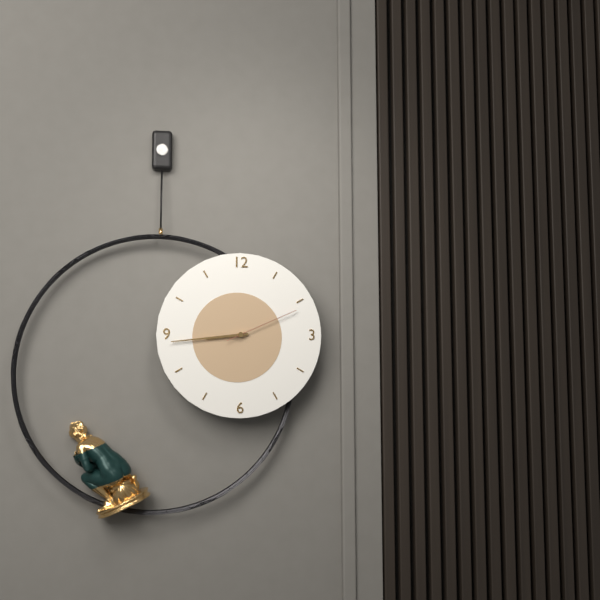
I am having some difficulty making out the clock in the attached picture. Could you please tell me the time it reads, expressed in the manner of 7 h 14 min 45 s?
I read 8 h 44 min 11 s
